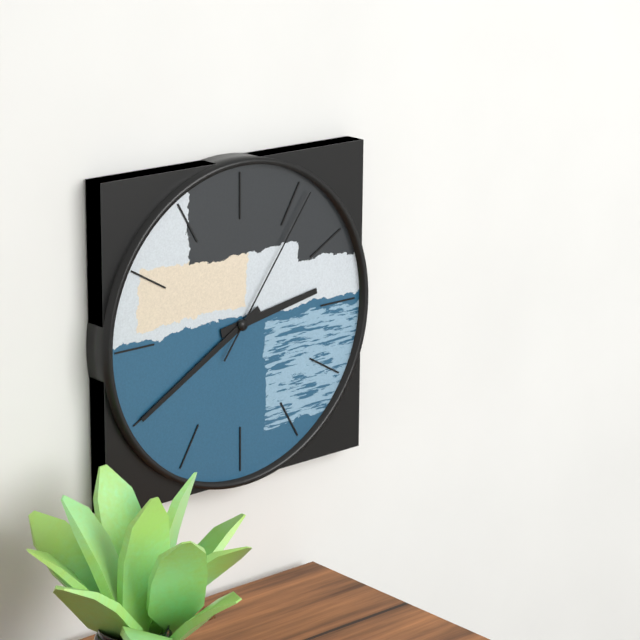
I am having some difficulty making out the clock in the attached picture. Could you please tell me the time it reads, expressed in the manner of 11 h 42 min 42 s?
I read 2 h 40 min 06 s
